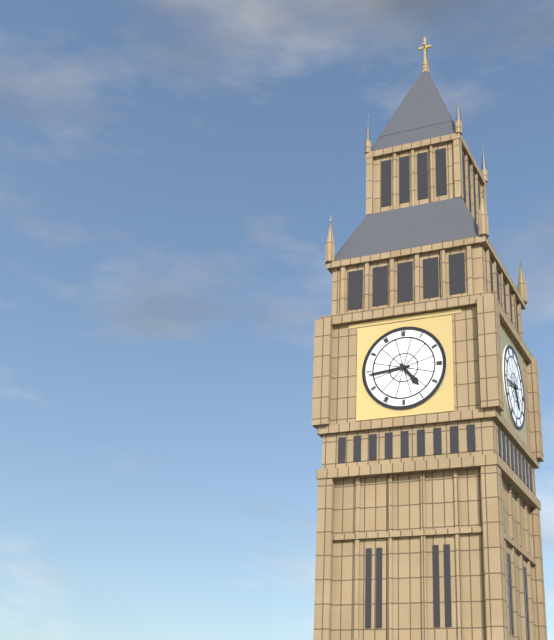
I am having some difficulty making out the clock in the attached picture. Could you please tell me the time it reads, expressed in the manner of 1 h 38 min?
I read 4 h 44 min
